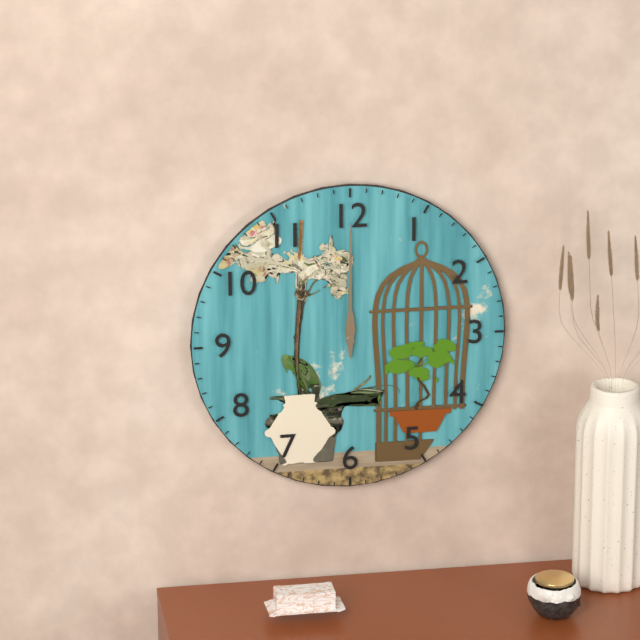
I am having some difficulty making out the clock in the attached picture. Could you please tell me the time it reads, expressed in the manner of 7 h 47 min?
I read 12 h 00 min
